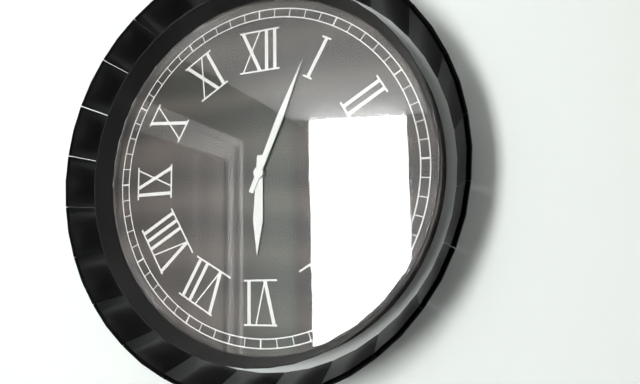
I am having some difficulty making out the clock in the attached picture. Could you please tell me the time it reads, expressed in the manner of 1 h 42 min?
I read 6 h 04 min
